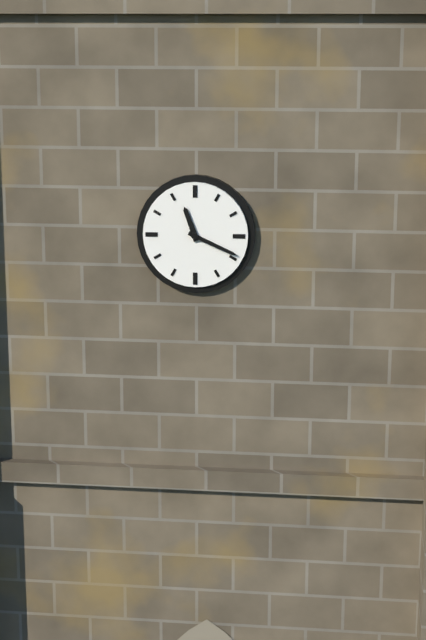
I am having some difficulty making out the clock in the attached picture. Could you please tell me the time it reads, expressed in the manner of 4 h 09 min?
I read 11 h 19 min
